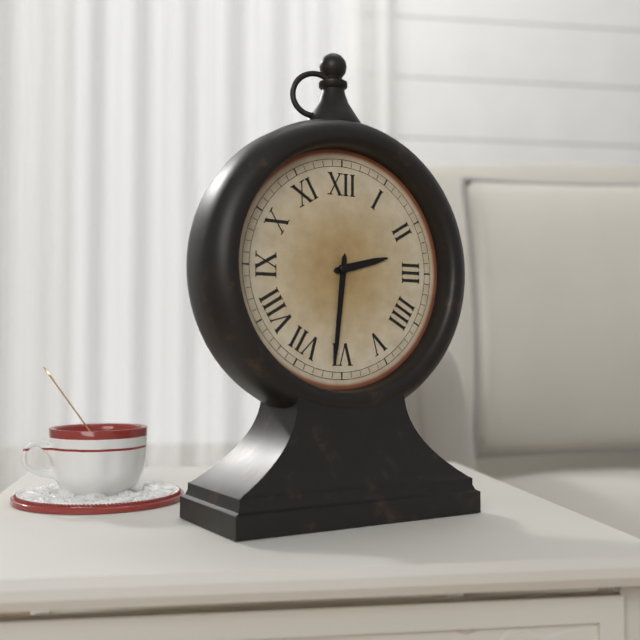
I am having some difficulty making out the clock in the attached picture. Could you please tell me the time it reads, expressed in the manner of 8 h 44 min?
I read 2 h 31 min
